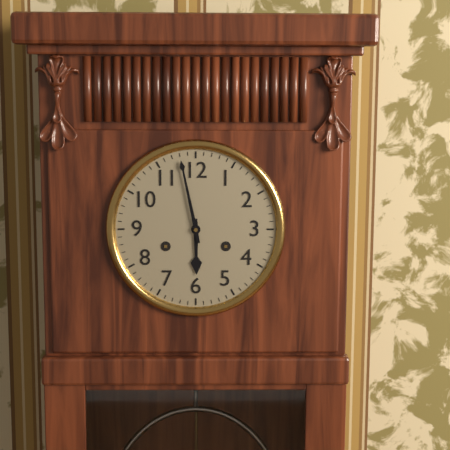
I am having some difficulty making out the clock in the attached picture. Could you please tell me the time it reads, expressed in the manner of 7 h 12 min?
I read 5 h 58 min
